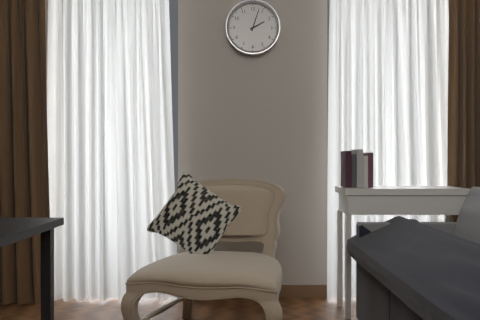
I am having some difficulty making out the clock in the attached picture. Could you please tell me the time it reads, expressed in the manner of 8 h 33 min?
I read 2 h 03 min
